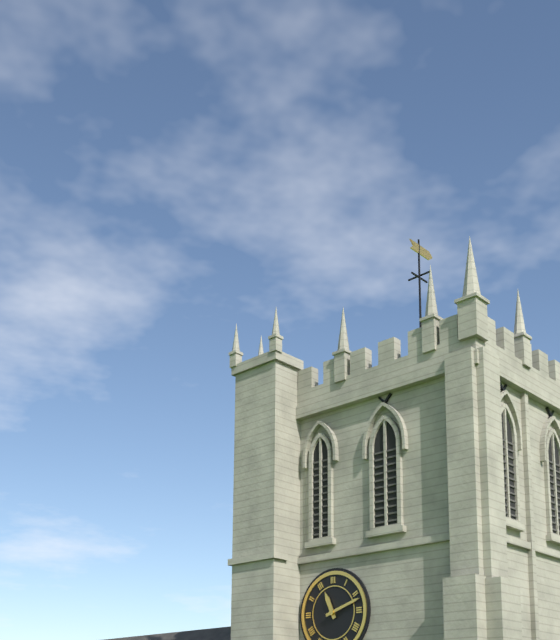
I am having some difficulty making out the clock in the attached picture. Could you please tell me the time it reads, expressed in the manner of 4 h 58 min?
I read 11 h 12 min
